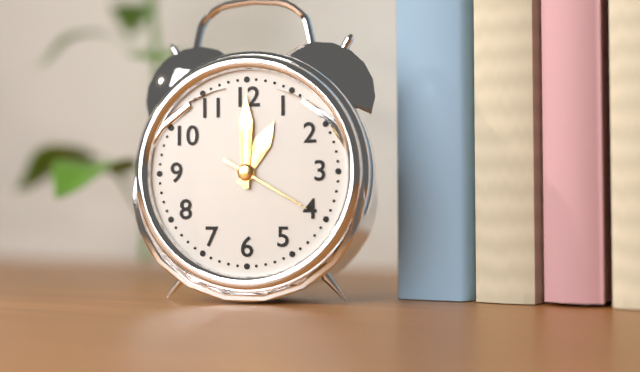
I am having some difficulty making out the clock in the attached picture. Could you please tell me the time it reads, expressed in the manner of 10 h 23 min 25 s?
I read 1 h 00 min 20 s
